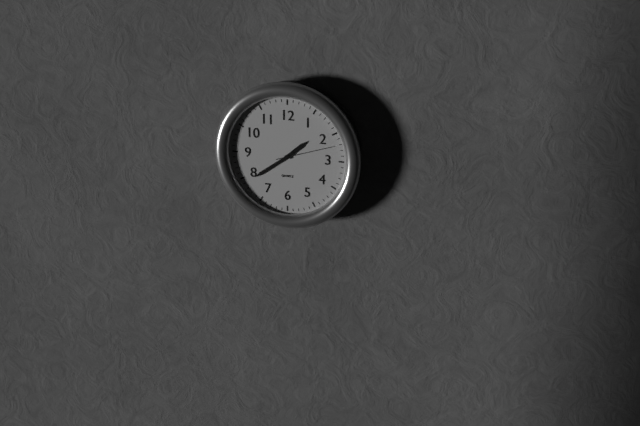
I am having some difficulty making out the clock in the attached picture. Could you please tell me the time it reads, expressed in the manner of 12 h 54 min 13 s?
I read 1 h 39 min 12 s
